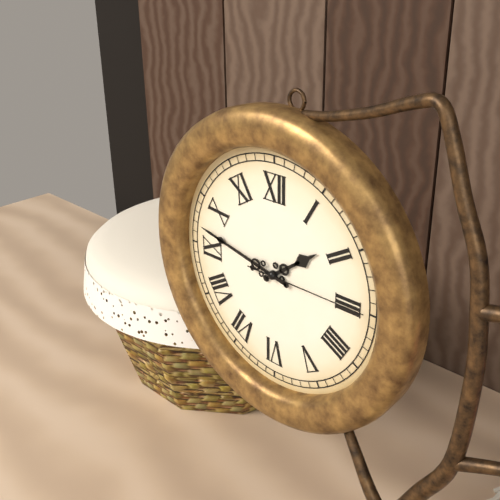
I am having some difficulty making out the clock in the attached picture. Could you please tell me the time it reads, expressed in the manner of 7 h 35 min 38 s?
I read 1 h 47 min 15 s
